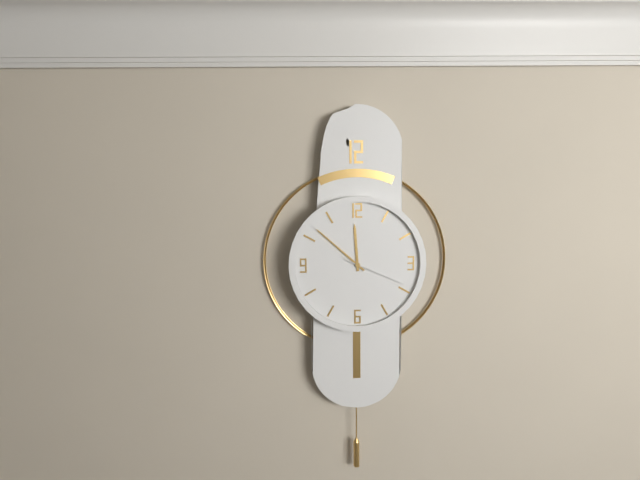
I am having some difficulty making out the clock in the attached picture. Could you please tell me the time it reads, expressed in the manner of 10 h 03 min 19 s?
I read 11 h 52 min 19 s
